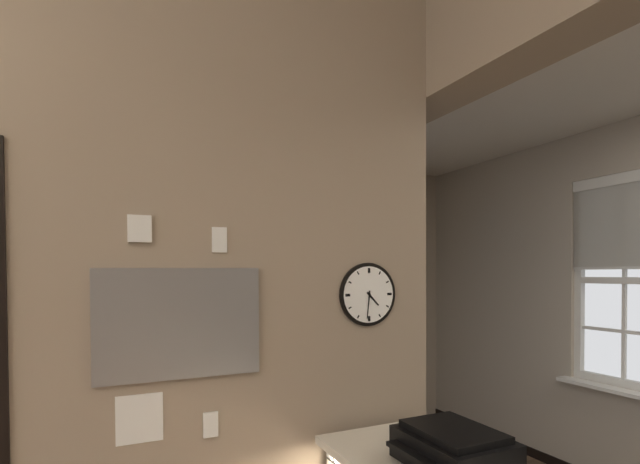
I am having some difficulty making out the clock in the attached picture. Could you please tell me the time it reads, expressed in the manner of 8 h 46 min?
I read 4 h 31 min
